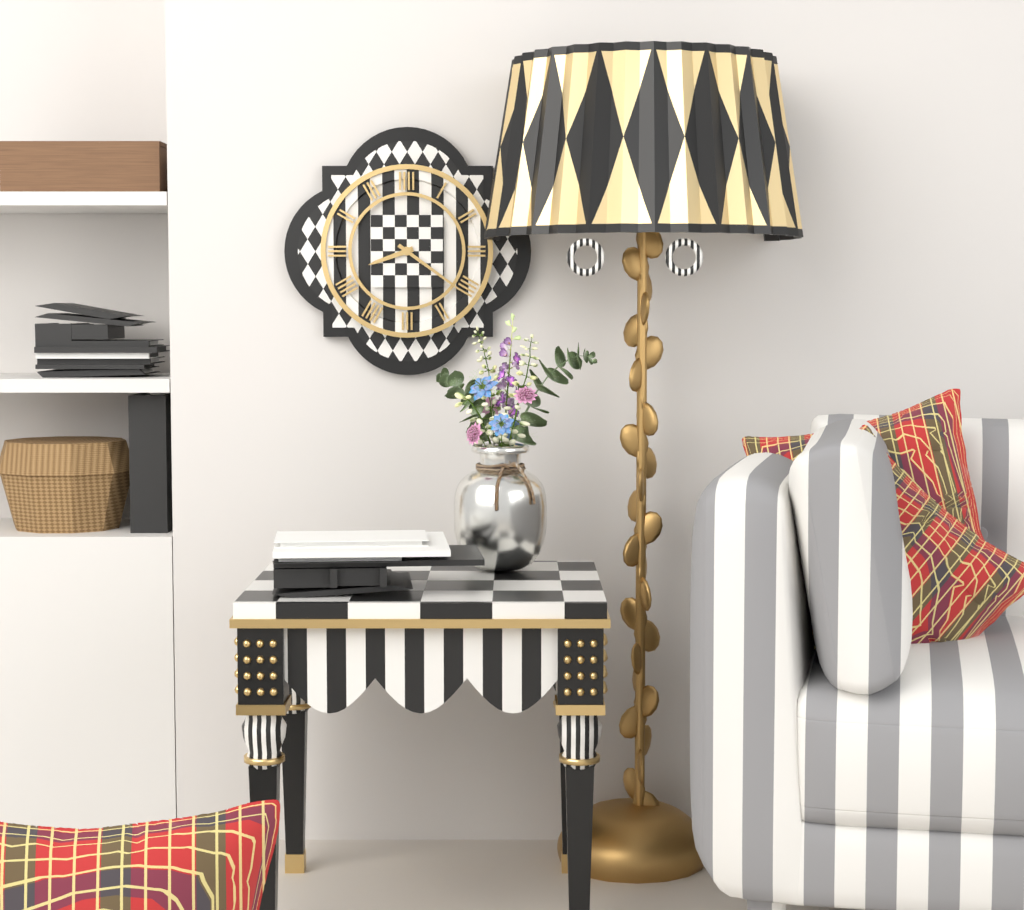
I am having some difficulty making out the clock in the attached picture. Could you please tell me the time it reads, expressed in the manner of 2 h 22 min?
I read 8 h 21 min
